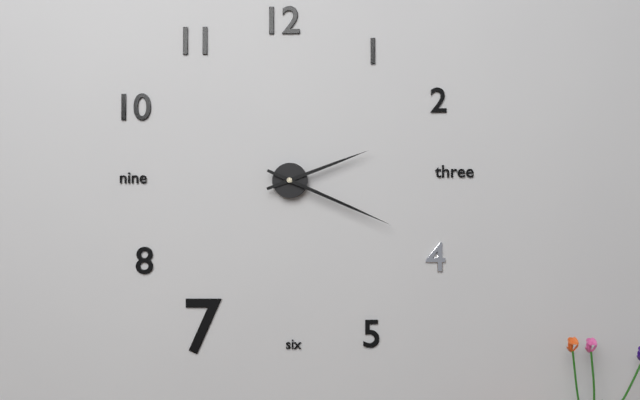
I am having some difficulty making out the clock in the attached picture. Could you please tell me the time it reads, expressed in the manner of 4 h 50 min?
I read 2 h 19 min
